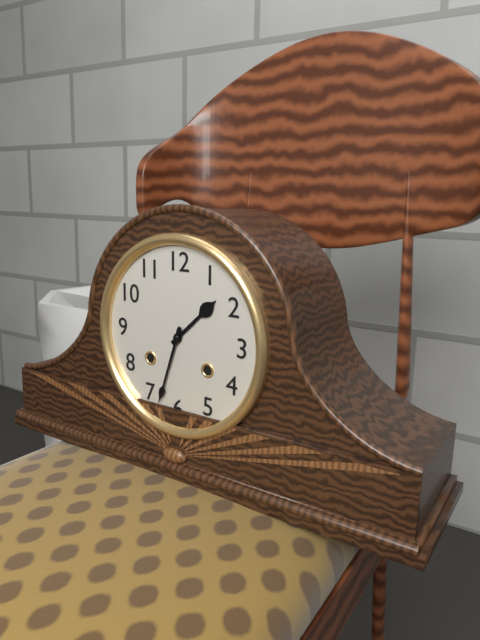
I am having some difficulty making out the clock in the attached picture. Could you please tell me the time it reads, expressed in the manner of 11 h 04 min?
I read 1 h 33 min
